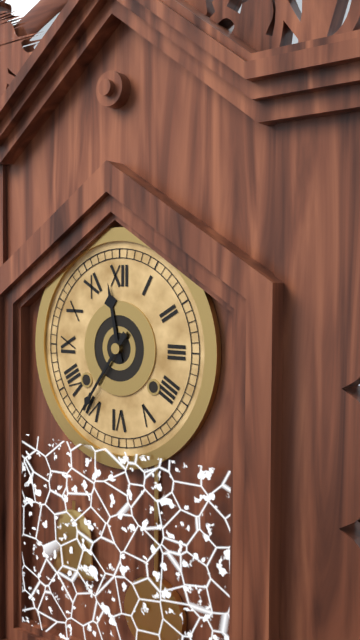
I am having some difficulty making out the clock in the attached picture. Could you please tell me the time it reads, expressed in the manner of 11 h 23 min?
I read 11 h 36 min
